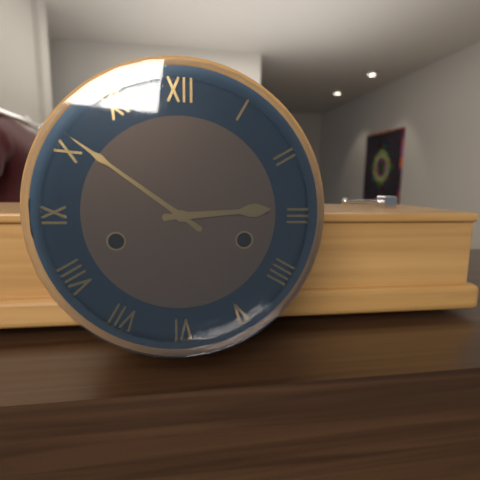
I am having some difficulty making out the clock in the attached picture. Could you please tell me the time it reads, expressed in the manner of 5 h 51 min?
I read 2 h 51 min
